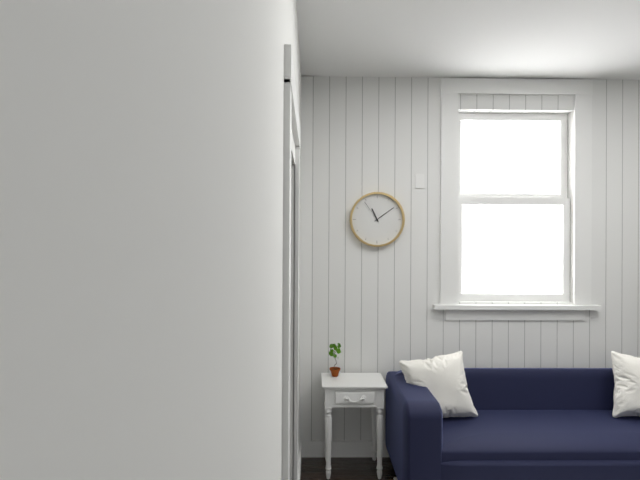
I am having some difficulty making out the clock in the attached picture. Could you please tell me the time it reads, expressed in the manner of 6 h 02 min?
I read 11 h 09 min
